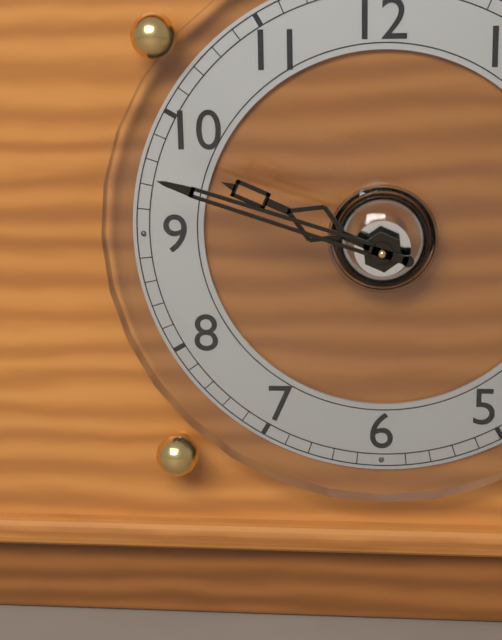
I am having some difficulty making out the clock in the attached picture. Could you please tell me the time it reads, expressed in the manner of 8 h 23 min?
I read 9 h 48 min
